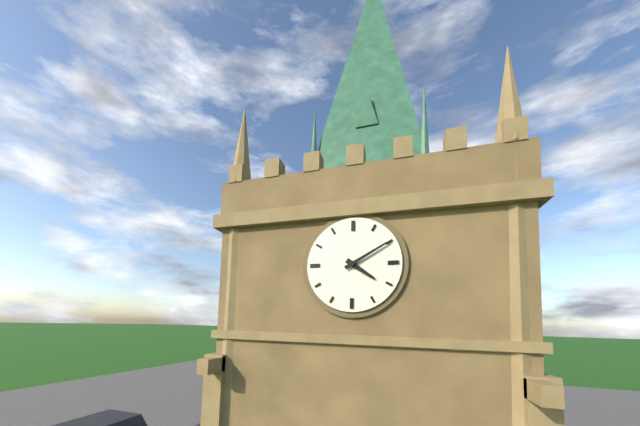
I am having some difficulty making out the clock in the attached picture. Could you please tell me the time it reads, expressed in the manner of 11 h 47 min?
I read 4 h 10 min
